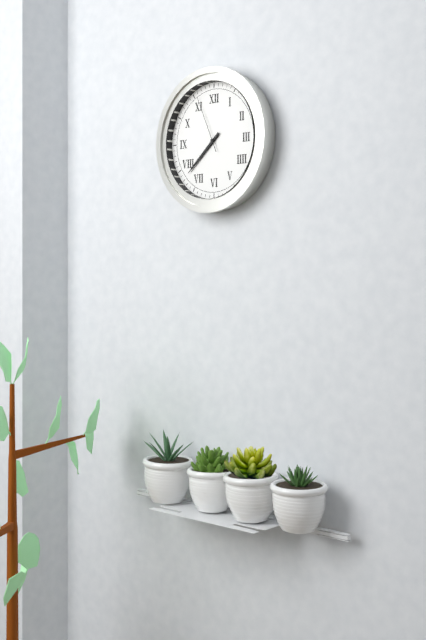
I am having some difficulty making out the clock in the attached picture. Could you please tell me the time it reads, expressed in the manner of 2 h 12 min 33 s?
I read 7 h 38 min 56 s
